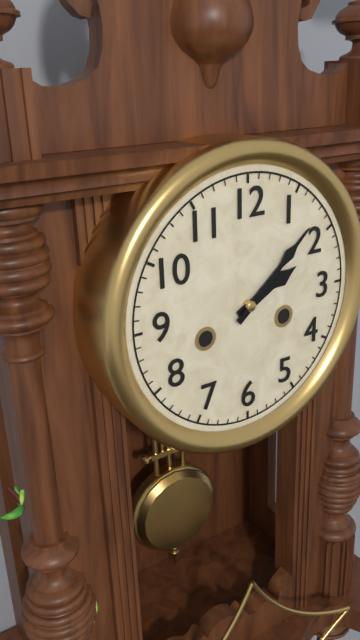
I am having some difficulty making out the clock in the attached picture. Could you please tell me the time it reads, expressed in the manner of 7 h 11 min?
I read 2 h 08 min
